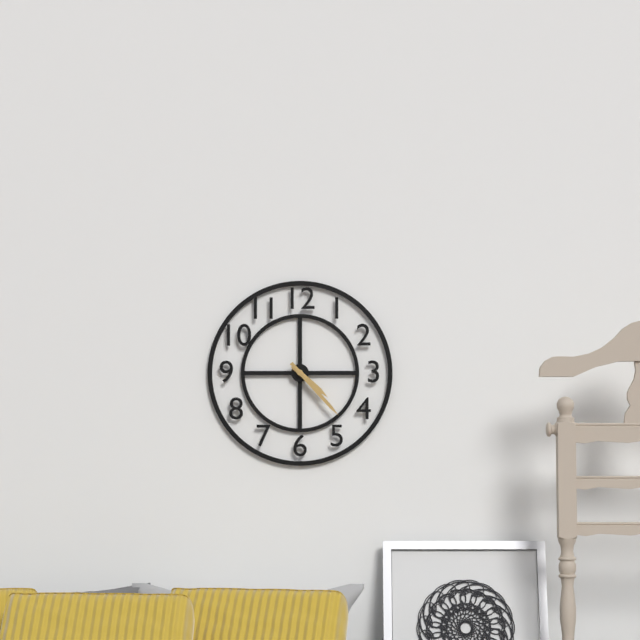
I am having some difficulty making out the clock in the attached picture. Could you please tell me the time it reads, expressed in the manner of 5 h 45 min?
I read 4 h 23 min
